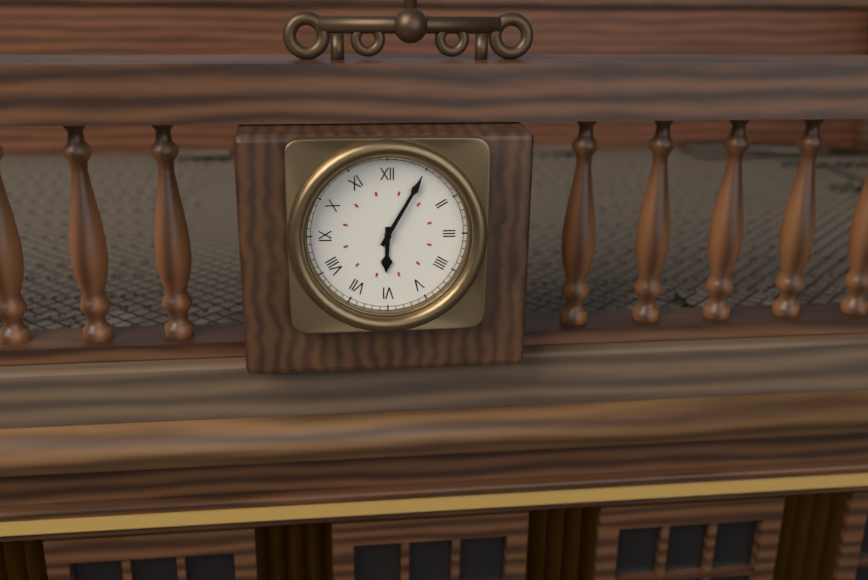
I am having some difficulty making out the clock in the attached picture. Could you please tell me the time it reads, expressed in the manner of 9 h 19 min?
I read 6 h 05 min
